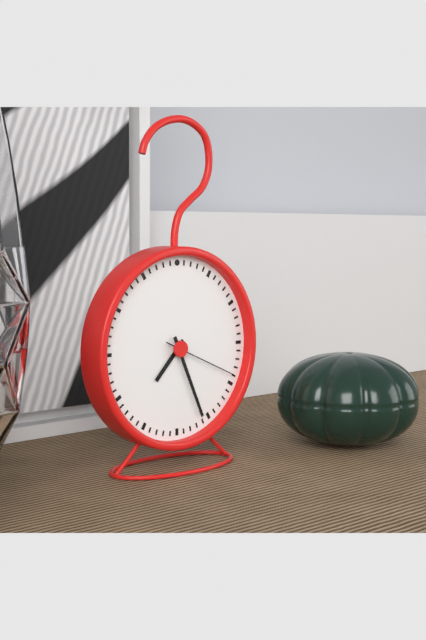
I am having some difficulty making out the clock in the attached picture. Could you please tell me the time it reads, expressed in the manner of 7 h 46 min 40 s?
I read 7 h 26 min 19 s
